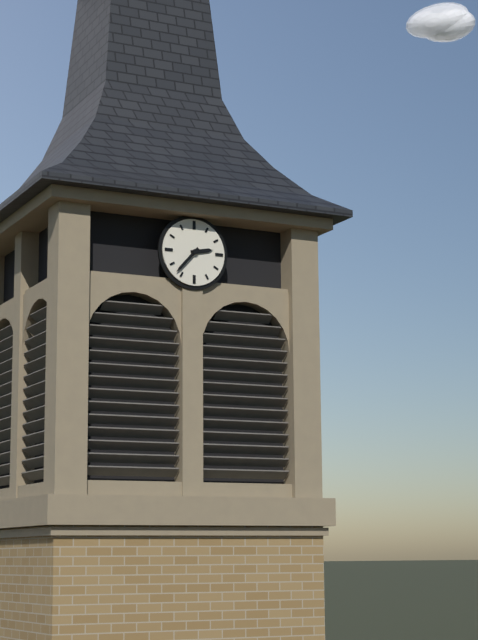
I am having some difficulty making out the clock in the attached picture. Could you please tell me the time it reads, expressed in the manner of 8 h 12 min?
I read 2 h 37 min
